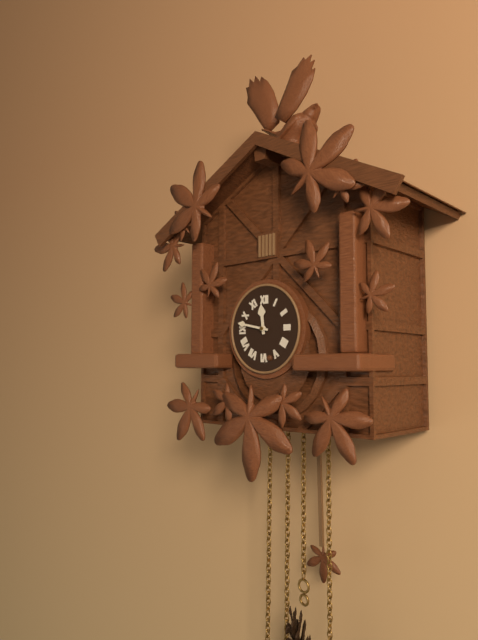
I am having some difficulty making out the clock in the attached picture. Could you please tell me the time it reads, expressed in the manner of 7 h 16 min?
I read 11 h 47 min
